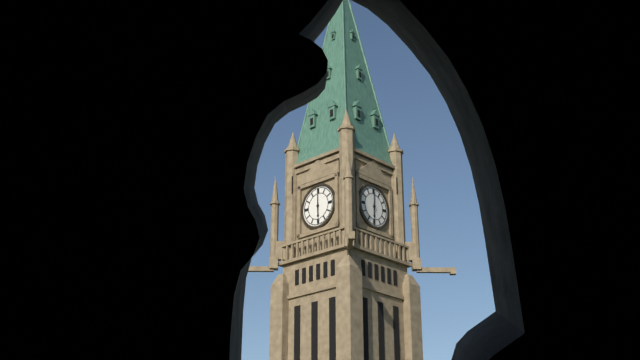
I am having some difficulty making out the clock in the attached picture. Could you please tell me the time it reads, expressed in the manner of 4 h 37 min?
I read 6 h 00 min
